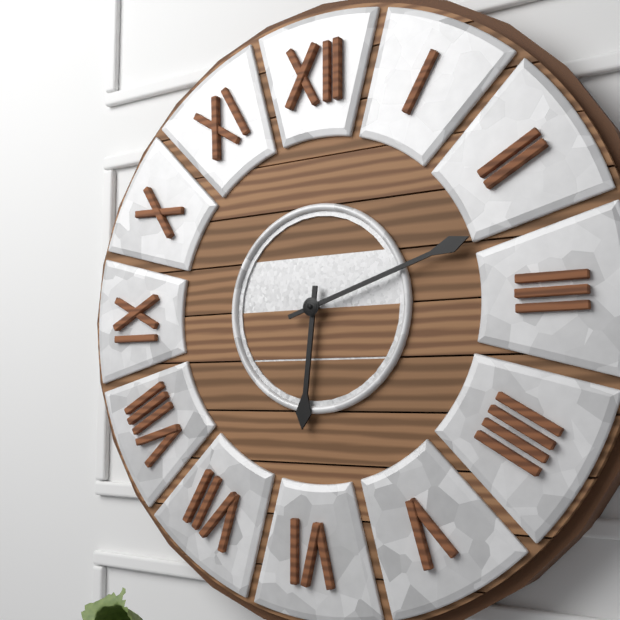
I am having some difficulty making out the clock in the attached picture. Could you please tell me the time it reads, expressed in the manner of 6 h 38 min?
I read 6 h 12 min
